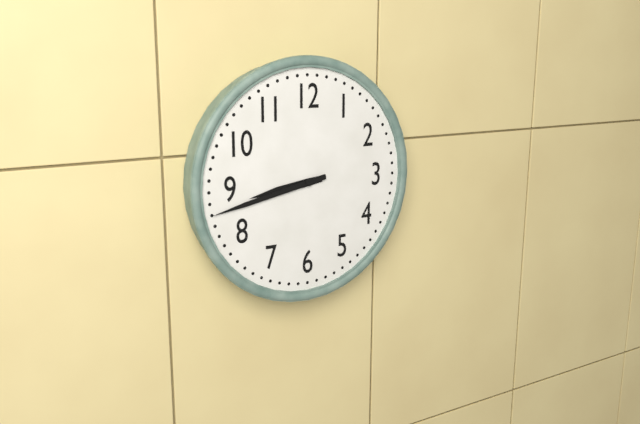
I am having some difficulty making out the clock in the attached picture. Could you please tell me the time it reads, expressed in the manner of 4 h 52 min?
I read 8 h 43 min
